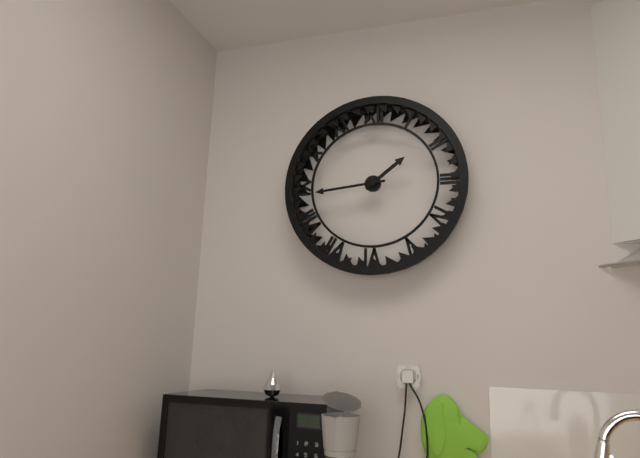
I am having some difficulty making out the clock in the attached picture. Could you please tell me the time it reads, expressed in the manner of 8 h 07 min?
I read 1 h 44 min
